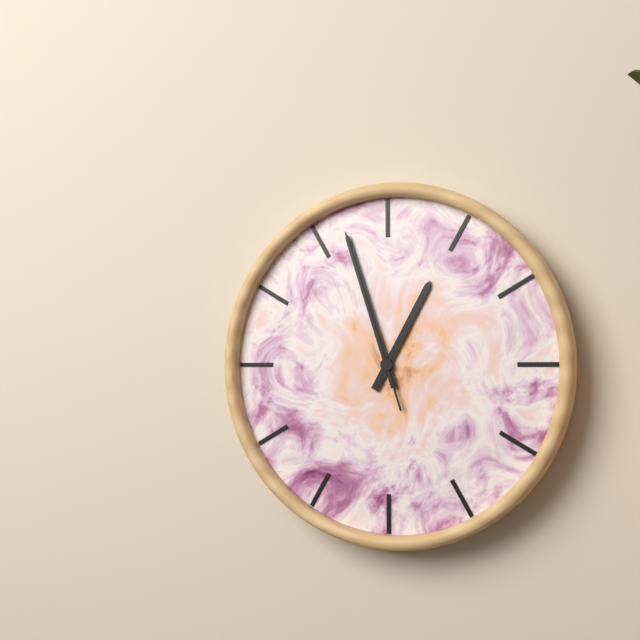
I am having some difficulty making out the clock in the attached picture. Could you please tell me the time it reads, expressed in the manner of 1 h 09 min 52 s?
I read 12 h 57 min 57 s
